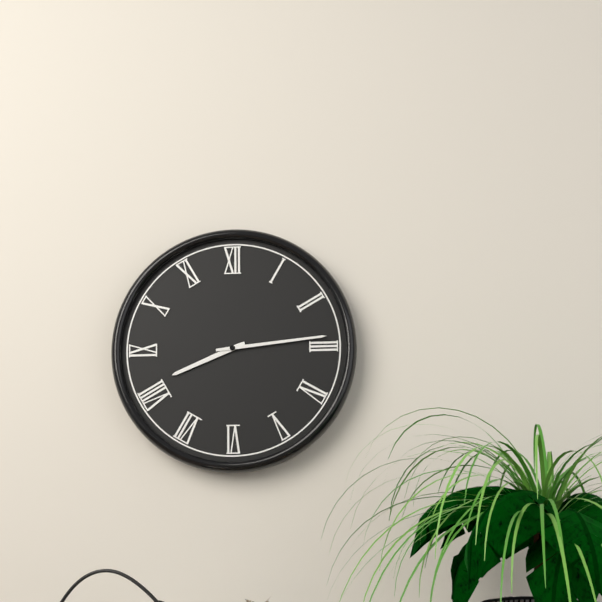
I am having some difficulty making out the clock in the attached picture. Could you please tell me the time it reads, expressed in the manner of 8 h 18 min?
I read 8 h 14 min
